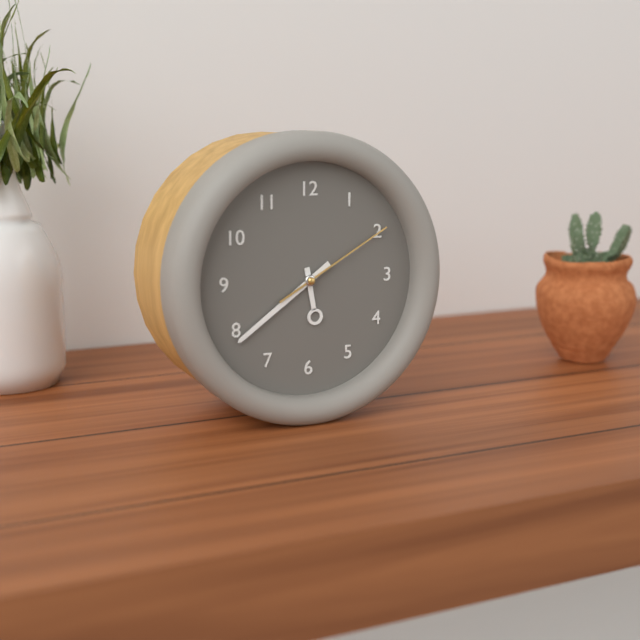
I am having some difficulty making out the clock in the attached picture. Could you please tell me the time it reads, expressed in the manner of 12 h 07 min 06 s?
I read 5 h 39 min 10 s
